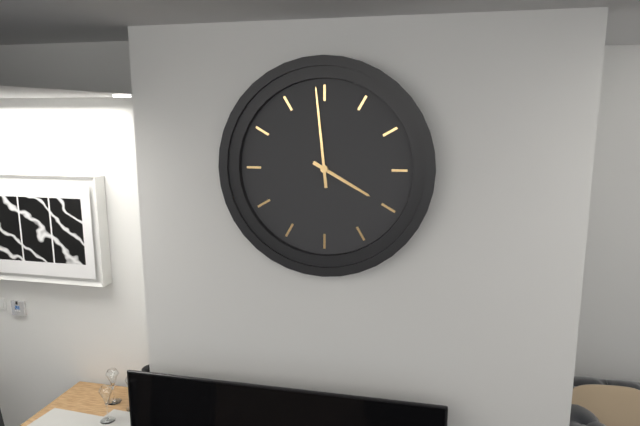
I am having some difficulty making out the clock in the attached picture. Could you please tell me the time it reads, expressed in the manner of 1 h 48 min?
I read 3 h 59 min
